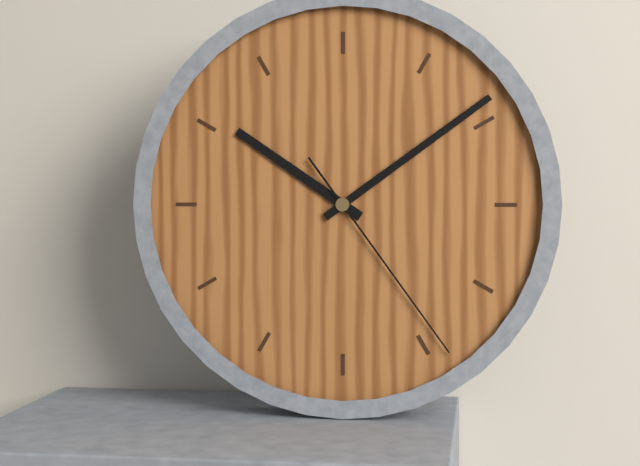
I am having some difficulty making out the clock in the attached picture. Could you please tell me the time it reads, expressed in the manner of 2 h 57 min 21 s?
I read 10 h 09 min 24 s
